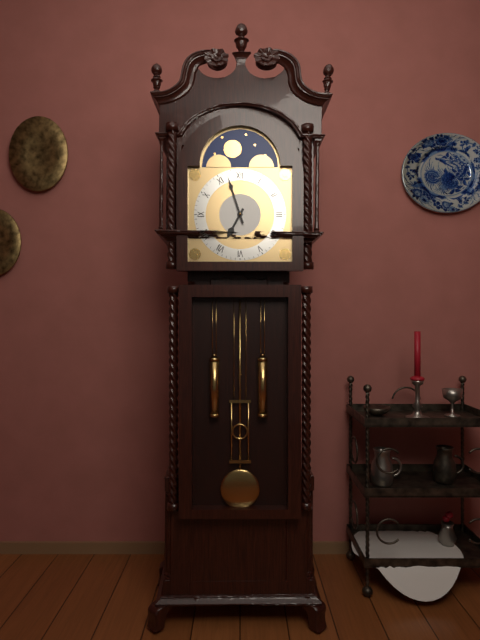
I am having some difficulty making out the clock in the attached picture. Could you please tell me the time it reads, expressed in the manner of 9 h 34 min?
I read 6 h 57 min
